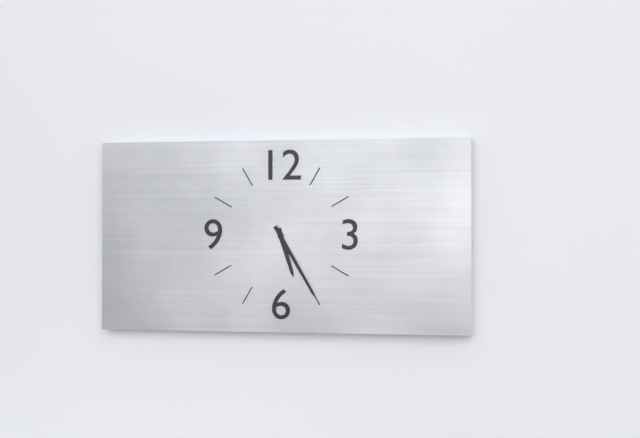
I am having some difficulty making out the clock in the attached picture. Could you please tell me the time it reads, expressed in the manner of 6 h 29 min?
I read 5 h 25 min
